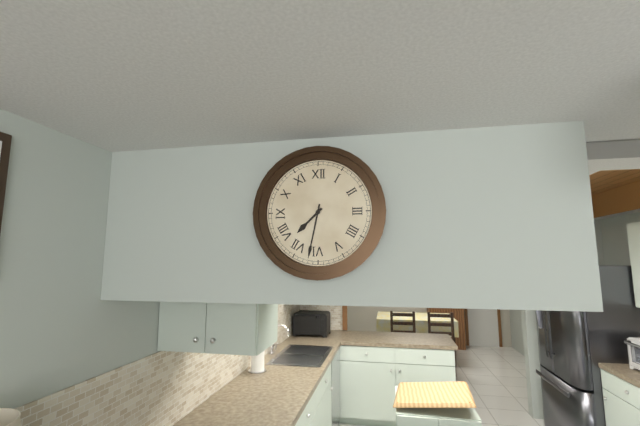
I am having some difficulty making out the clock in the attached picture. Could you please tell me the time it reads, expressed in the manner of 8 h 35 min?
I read 7 h 32 min
